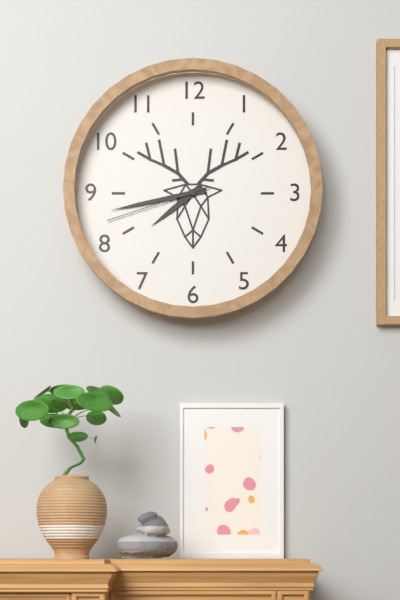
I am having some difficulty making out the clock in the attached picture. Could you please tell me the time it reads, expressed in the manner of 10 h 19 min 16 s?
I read 7 h 43 min 42 s
